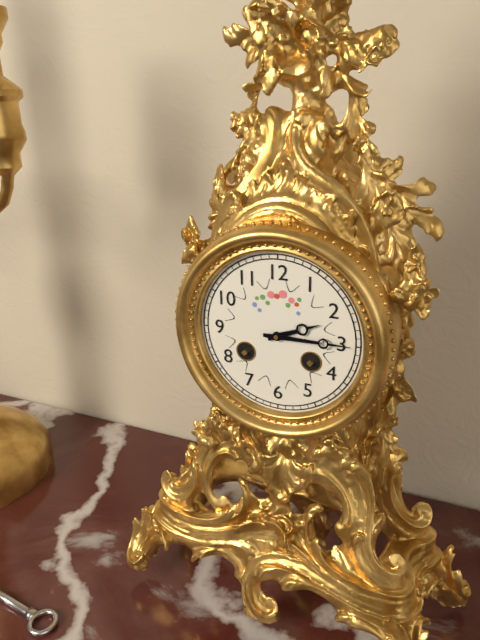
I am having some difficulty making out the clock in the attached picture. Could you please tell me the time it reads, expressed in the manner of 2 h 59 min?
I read 2 h 15 min
